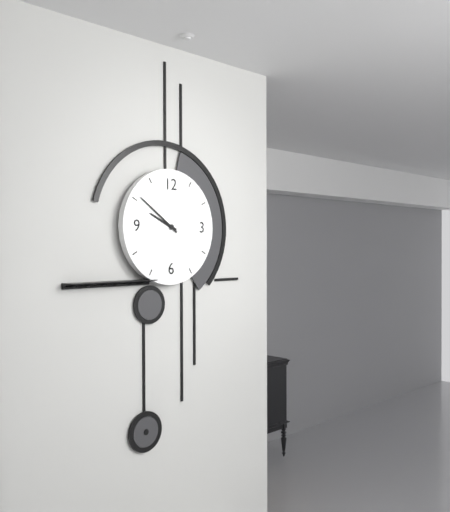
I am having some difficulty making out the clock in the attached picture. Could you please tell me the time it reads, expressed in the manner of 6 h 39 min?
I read 9 h 51 min
